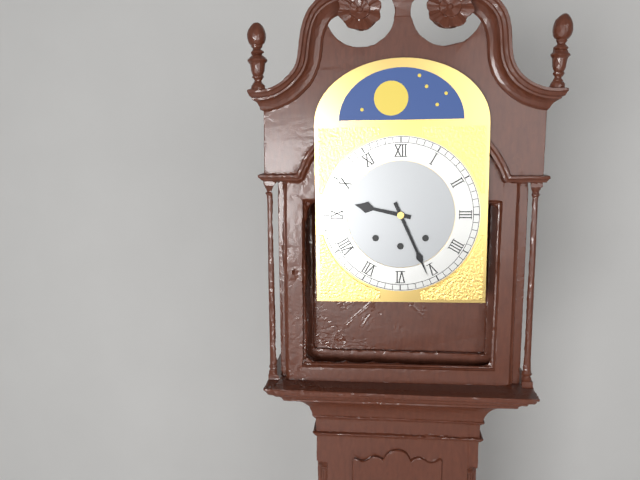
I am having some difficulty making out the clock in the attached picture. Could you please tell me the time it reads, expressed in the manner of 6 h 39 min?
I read 9 h 26 min
